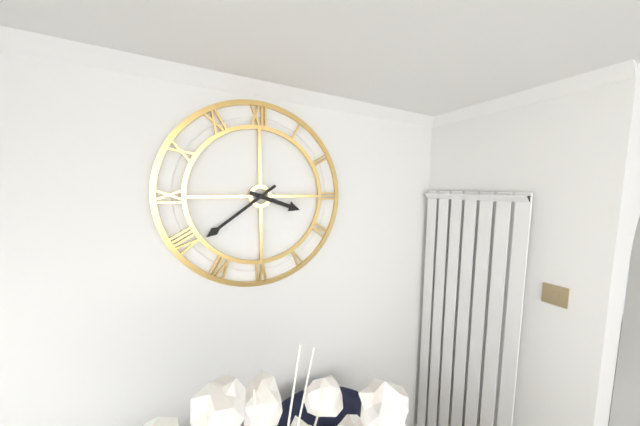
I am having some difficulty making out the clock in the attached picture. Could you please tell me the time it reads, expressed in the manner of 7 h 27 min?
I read 3 h 39 min
